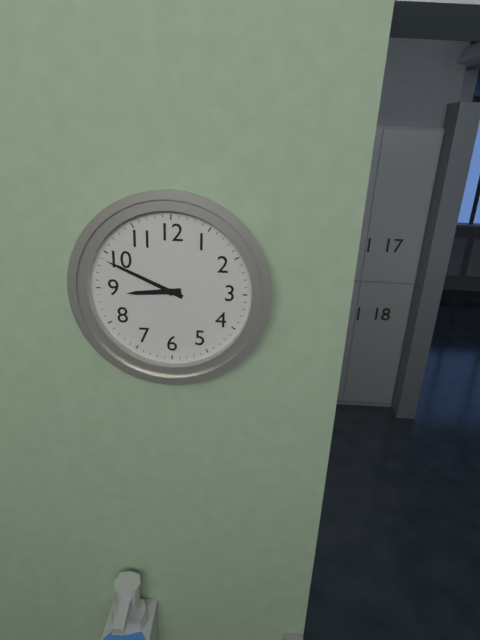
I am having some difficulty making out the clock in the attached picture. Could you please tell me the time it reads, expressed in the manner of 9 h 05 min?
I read 8 h 49 min
